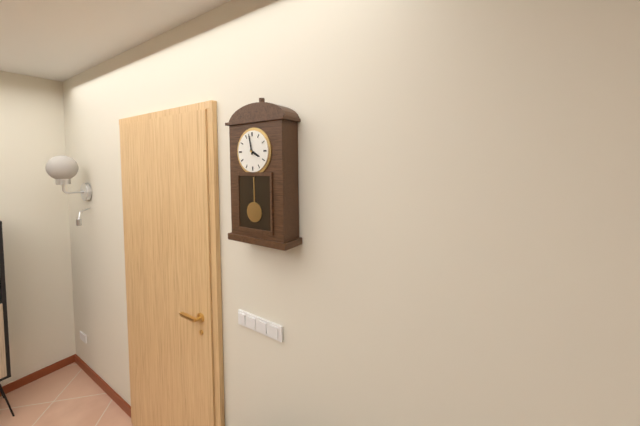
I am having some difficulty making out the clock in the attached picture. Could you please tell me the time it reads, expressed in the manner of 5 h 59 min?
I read 3 h 58 min
